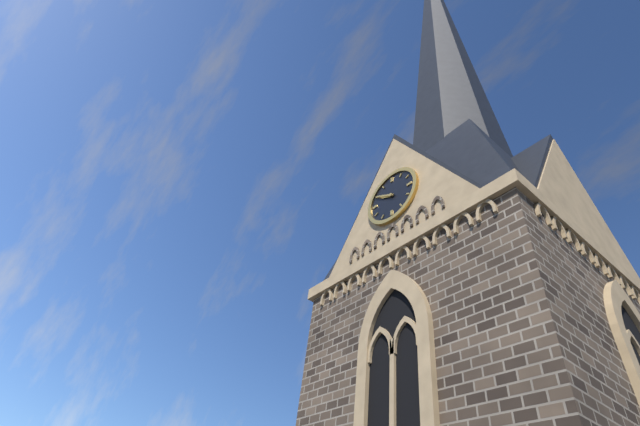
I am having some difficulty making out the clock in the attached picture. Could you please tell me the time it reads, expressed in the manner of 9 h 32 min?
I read 9 h 50 min
